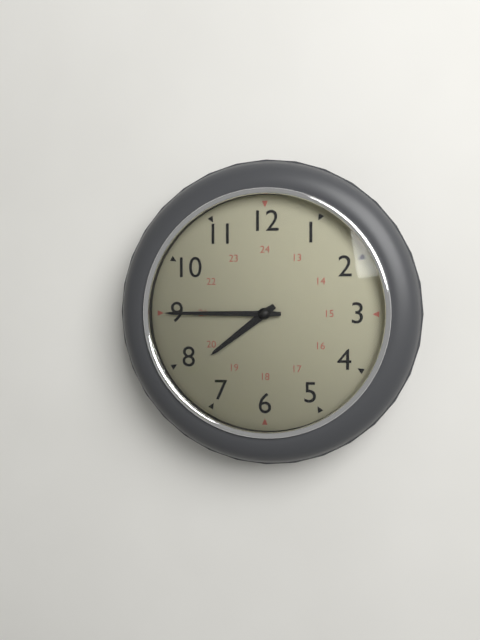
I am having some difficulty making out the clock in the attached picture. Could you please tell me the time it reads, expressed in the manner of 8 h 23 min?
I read 7 h 45 min
